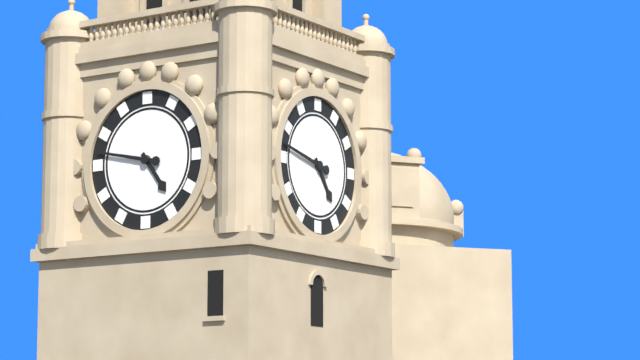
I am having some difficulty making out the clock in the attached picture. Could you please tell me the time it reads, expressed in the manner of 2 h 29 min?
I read 4 h 47 min
